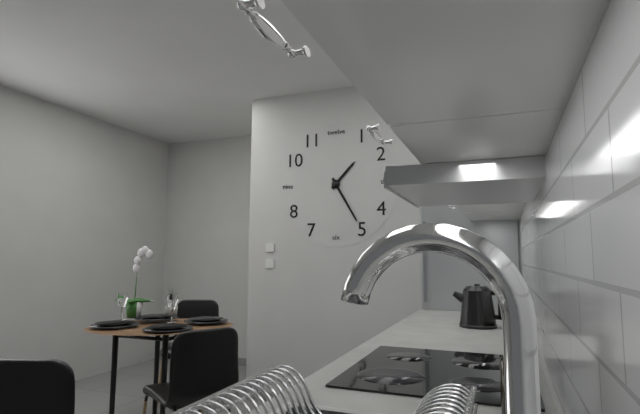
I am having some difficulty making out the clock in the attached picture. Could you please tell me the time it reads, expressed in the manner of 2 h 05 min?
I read 1 h 25 min
